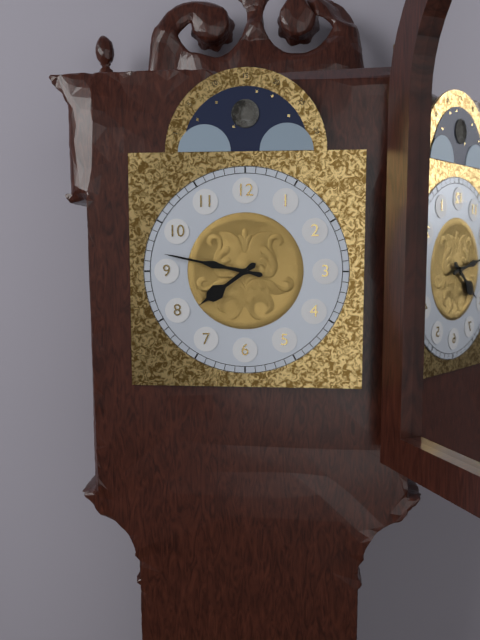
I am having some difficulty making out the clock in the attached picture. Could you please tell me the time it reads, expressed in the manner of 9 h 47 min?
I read 7 h 47 min
